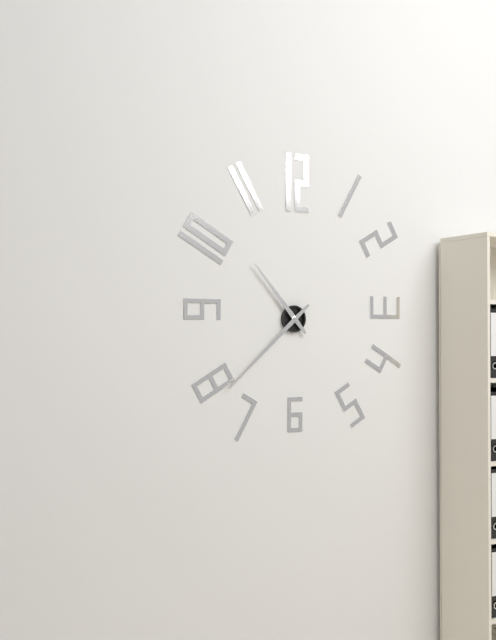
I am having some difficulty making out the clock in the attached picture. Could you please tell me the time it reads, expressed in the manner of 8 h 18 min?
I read 10 h 38 min
